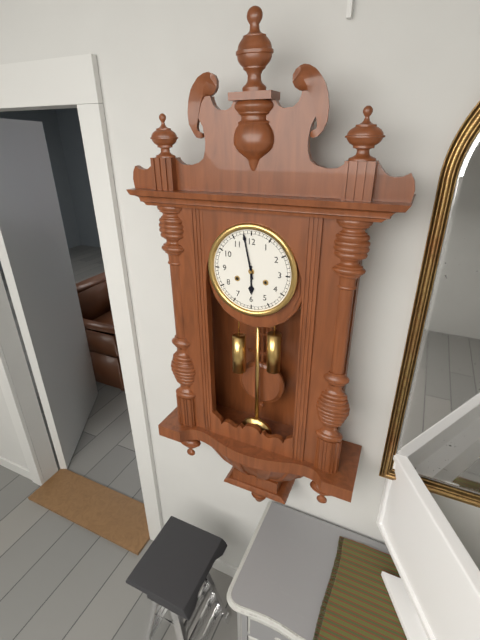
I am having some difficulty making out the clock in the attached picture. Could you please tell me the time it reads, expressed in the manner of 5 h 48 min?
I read 5 h 58 min
